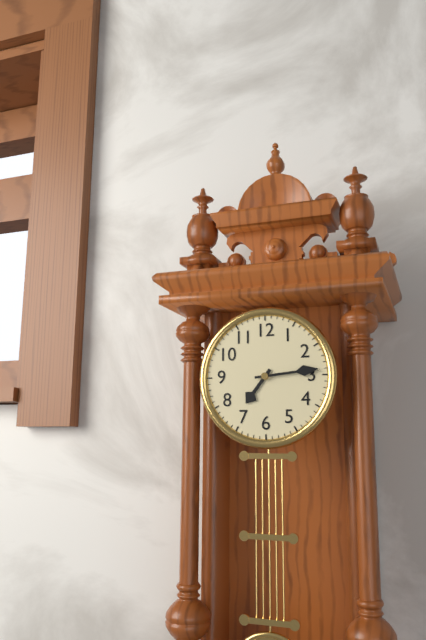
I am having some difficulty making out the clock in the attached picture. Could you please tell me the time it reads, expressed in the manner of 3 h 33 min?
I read 7 h 14 min
